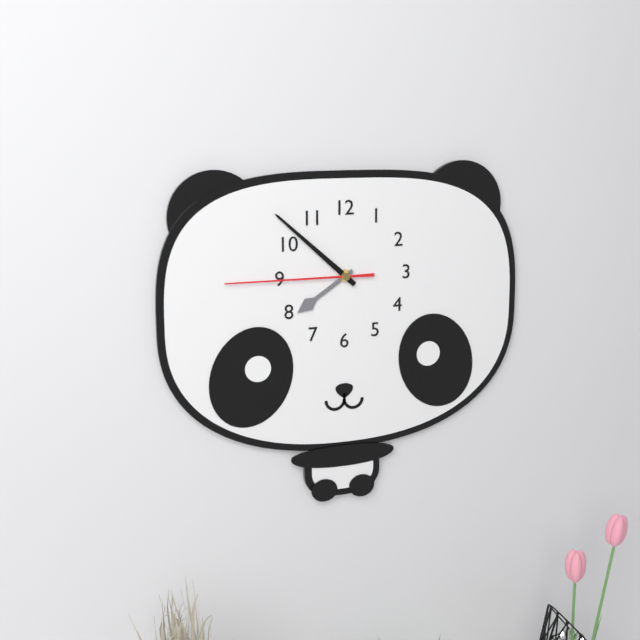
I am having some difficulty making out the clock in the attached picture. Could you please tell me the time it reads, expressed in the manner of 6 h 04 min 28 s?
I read 7 h 52 min 45 s
